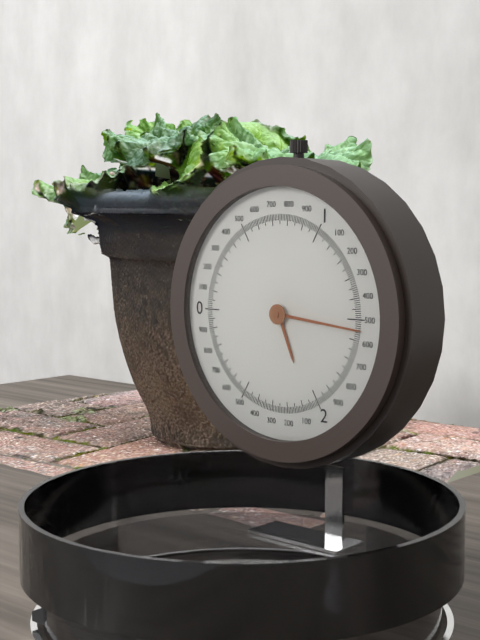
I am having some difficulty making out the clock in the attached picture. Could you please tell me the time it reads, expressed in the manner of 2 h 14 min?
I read 5 h 16 min
